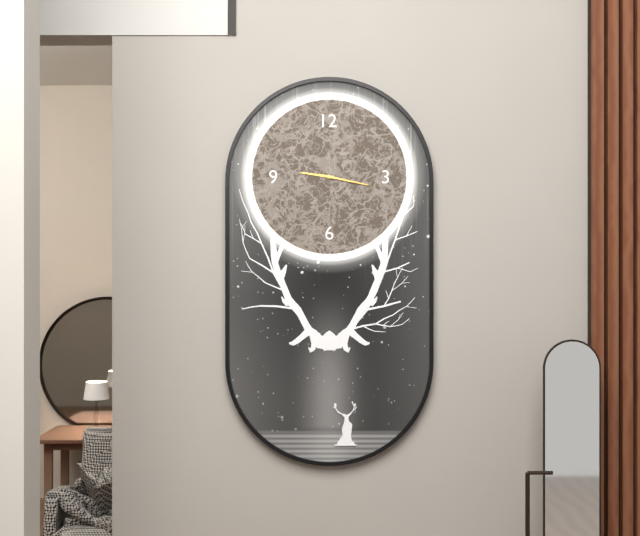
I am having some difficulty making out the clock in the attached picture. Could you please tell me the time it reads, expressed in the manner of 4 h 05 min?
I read 9 h 17 min
